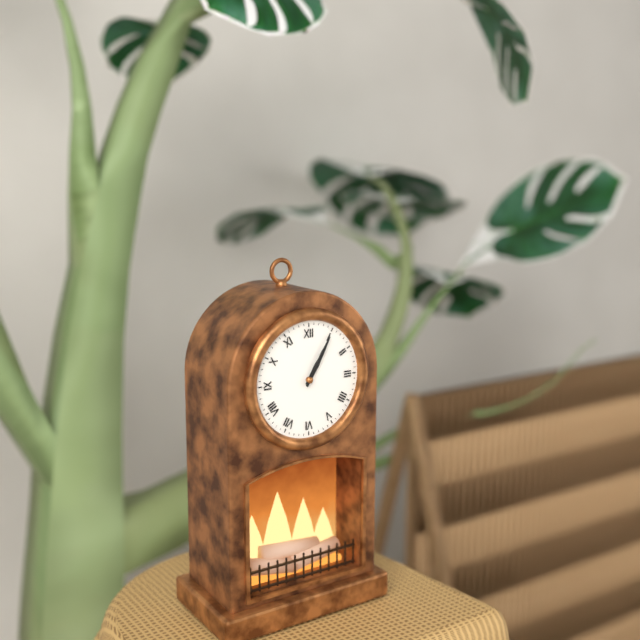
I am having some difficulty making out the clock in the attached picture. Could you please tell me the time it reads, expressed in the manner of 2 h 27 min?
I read 1 h 05 min
